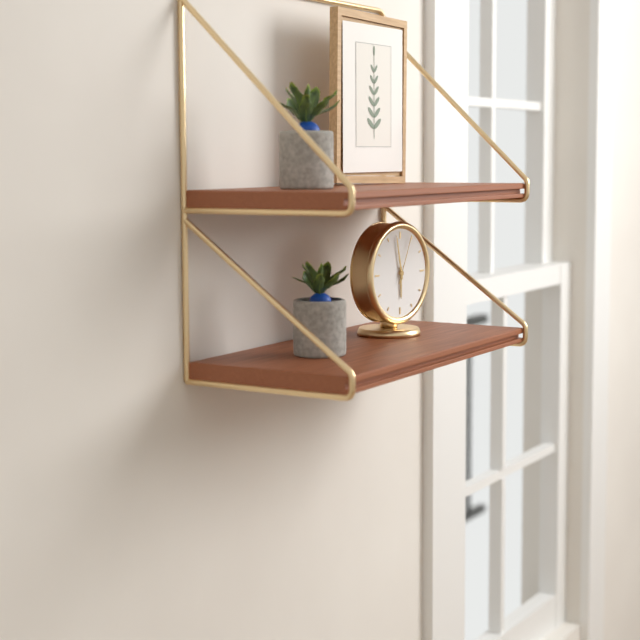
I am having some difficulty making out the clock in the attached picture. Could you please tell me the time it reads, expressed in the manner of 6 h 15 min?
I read 5 h 58 min
